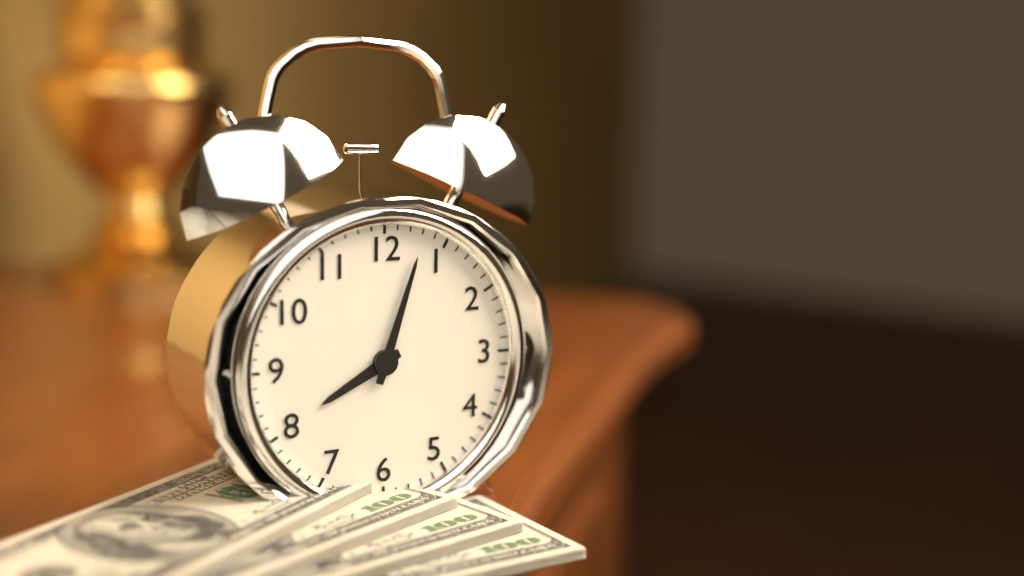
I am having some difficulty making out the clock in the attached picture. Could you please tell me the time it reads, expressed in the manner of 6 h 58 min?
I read 8 h 03 min
